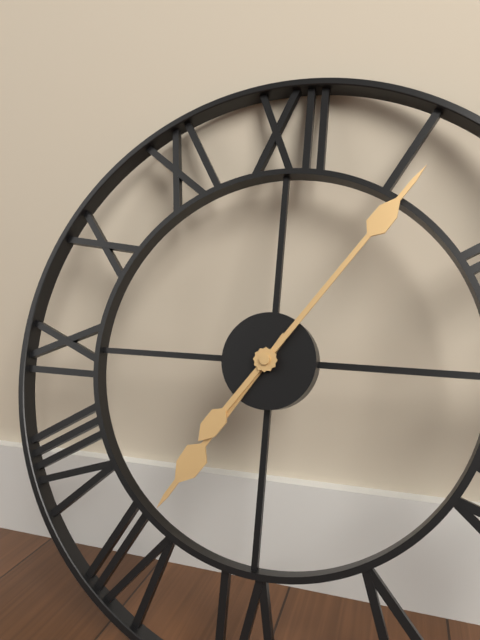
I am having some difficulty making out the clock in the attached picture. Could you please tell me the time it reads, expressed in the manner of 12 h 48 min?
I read 7 h 06 min
